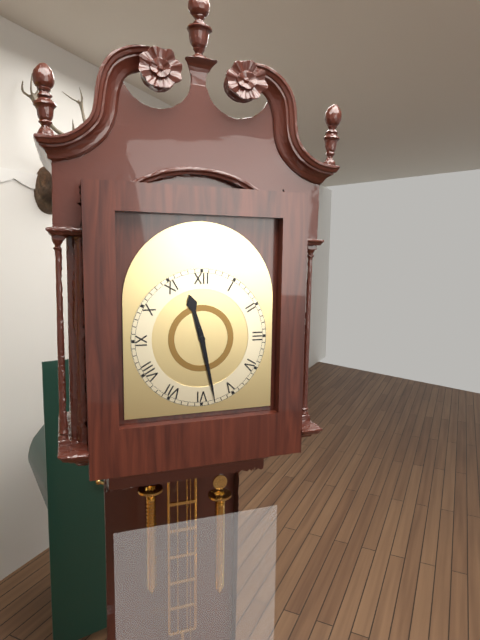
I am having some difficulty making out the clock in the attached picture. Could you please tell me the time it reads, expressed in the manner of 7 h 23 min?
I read 11 h 28 min
